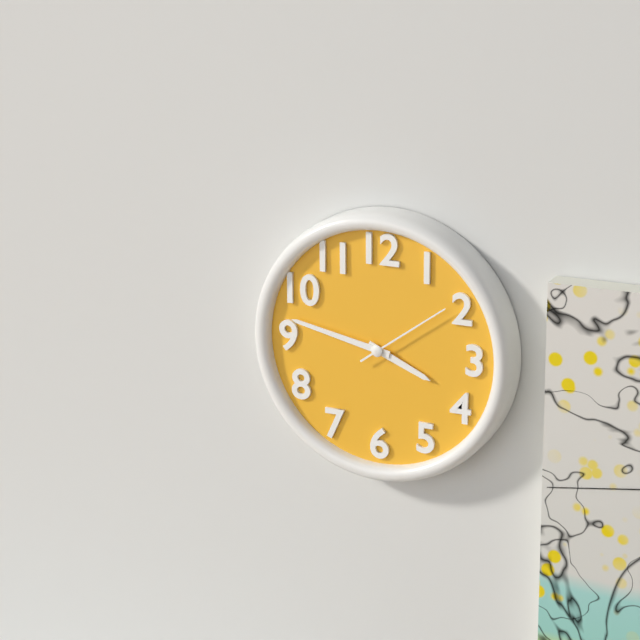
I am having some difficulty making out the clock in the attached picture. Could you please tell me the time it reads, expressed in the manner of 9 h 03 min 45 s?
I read 3 h 47 min 09 s
